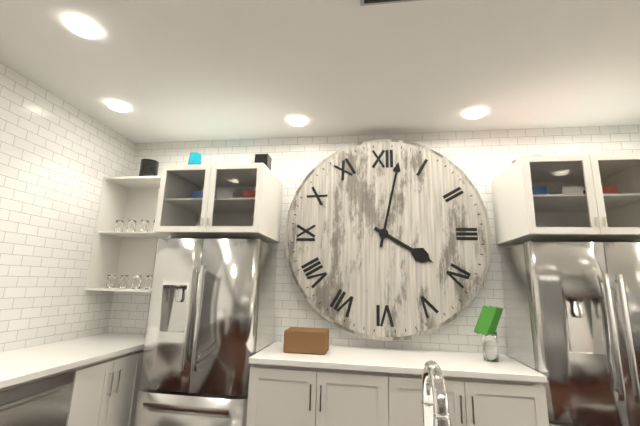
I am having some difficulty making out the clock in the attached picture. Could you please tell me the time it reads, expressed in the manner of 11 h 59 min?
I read 4 h 02 min
